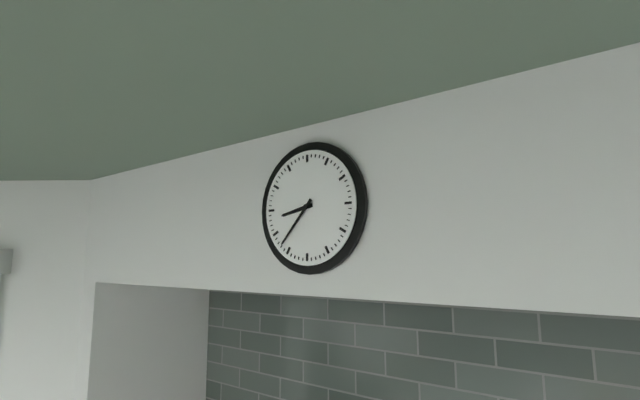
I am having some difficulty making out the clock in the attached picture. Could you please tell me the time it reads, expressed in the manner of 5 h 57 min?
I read 8 h 37 min
